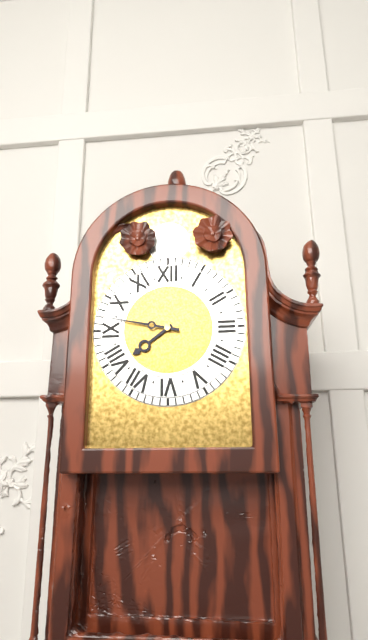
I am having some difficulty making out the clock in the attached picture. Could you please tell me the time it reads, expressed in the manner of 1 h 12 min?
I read 7 h 47 min
